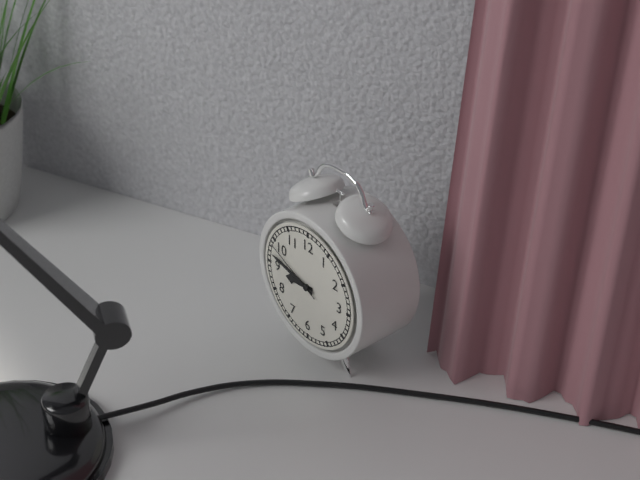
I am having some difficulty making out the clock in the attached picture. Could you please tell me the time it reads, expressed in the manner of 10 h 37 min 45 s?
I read 8 h 47 min 49 s
